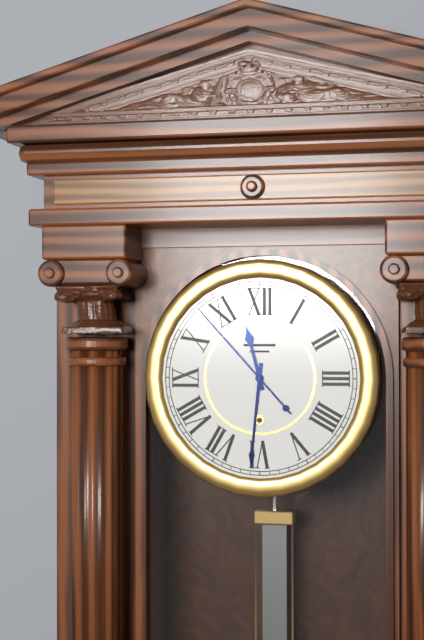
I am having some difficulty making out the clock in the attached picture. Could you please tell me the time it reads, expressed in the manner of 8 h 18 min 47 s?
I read 11 h 31 min 53 s
